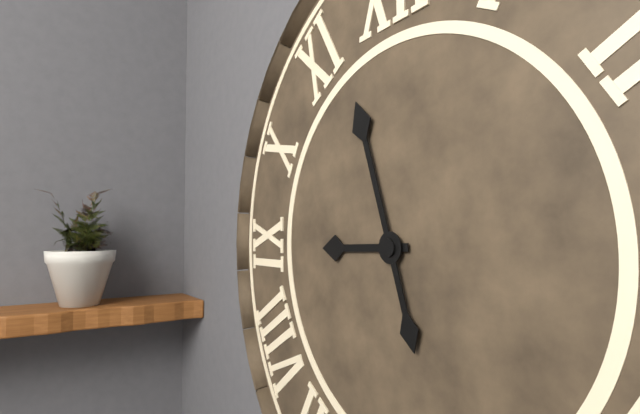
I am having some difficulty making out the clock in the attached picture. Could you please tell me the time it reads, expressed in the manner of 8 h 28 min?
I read 8 h 57 min
